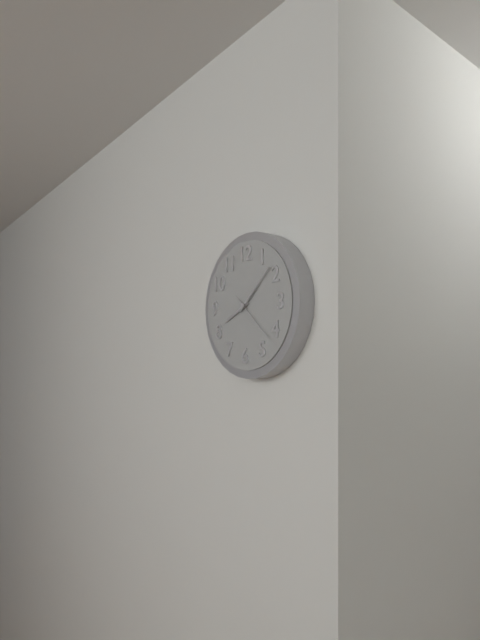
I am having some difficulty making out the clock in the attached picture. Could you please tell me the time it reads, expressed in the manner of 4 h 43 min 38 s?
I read 8 h 08 min 22 s
